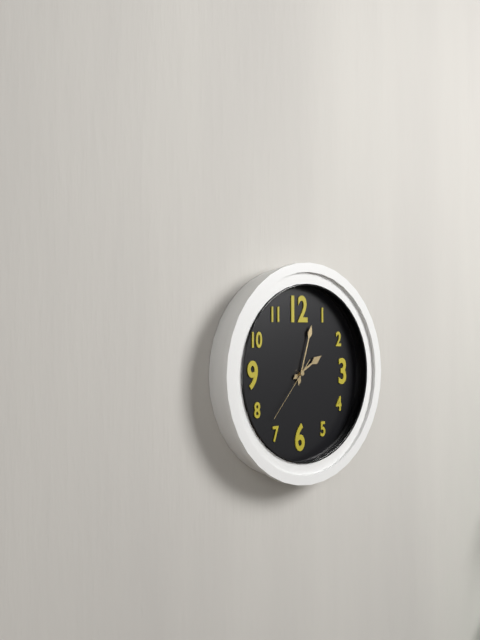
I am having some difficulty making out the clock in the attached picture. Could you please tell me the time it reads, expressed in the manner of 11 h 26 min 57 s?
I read 2 h 03 min 37 s
